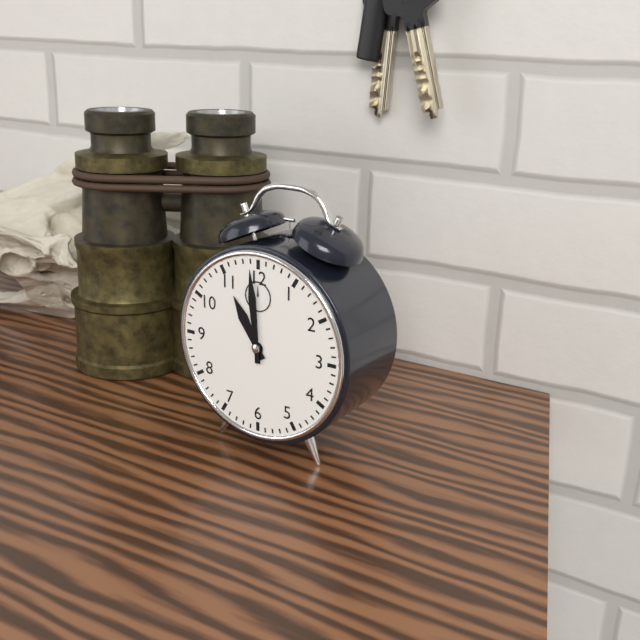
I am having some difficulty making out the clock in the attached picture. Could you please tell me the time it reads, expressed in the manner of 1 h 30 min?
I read 10 h 59 min
